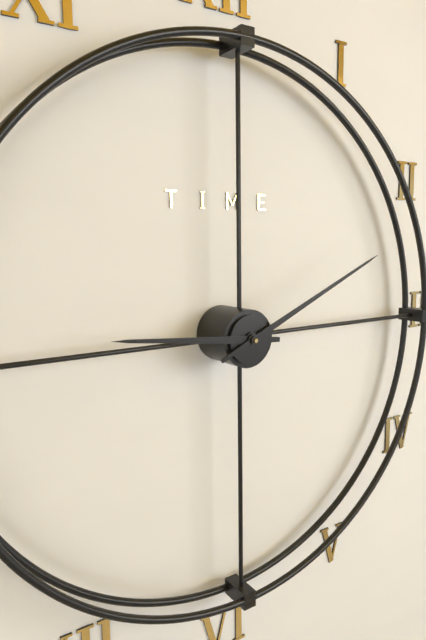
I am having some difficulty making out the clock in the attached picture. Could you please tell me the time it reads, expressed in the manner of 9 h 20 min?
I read 9 h 11 min
